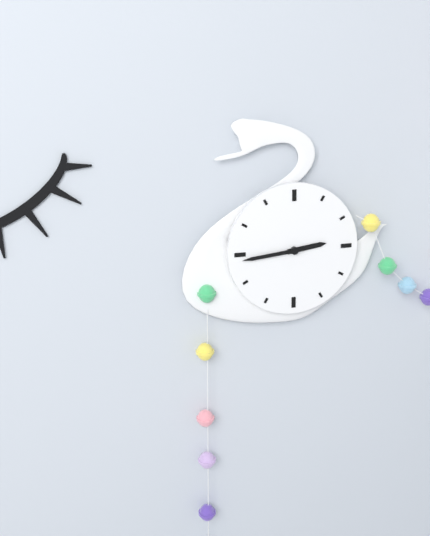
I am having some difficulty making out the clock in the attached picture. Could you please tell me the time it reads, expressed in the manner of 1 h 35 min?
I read 2 h 44 min
